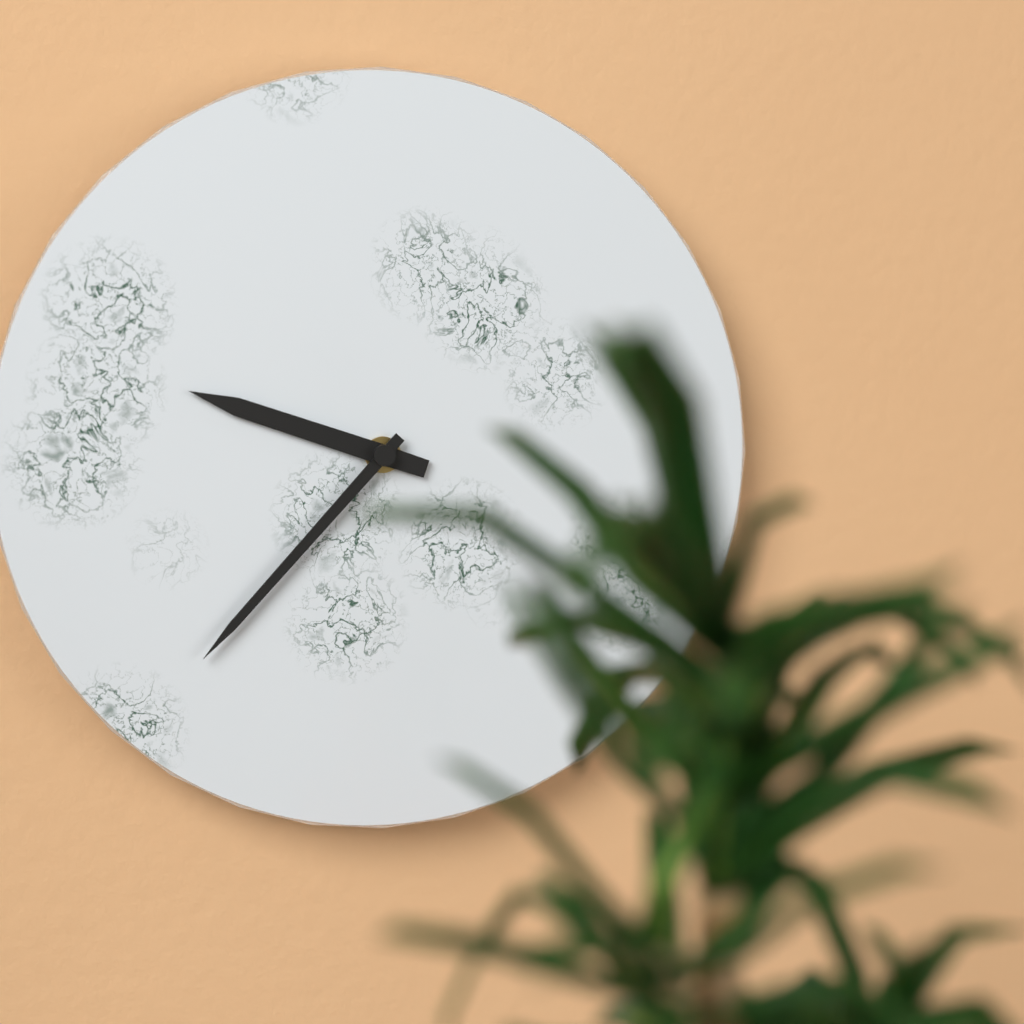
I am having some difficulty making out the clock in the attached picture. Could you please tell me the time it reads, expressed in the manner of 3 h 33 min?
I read 9 h 37 min
